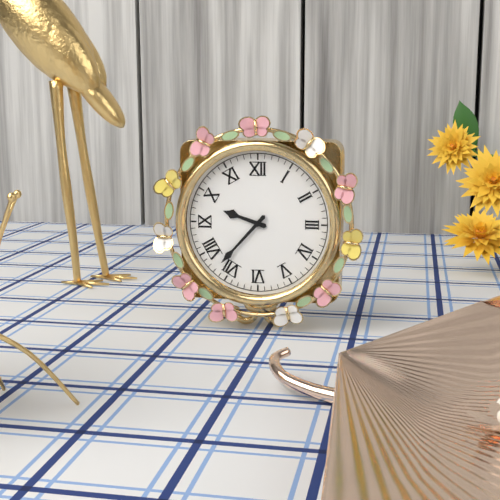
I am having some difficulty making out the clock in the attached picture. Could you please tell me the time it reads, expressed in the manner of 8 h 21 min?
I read 9 h 37 min
